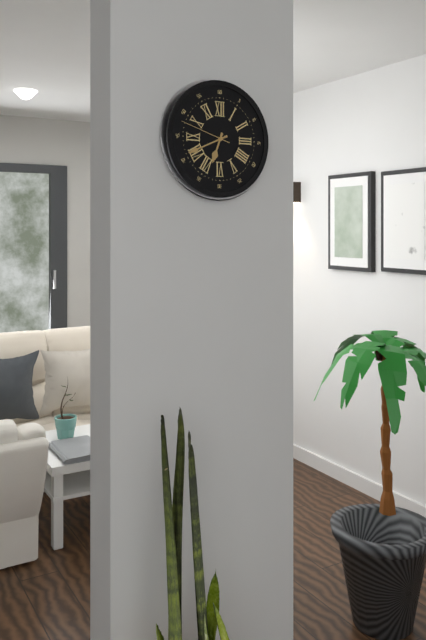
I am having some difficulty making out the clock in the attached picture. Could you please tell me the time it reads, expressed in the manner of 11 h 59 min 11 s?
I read 6 h 41 min 48 s
